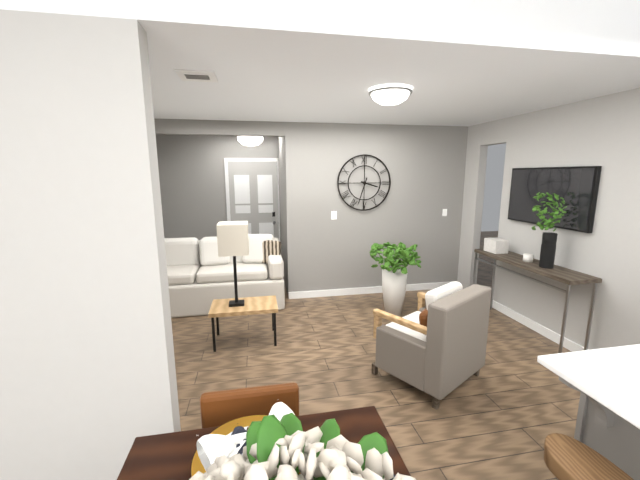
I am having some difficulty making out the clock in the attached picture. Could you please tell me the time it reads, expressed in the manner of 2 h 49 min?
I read 3 h 33 min
